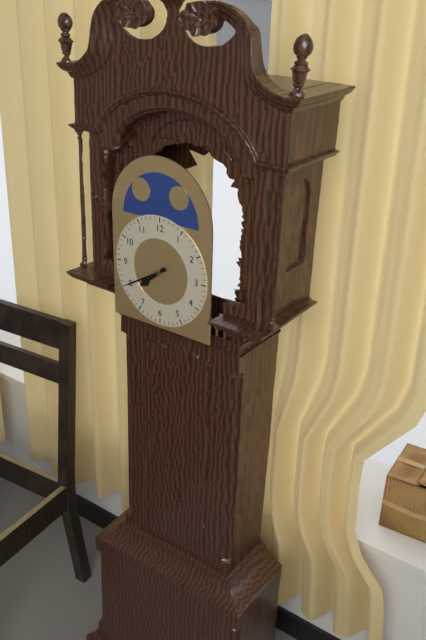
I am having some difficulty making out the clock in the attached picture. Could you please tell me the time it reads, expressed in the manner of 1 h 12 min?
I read 7 h 40 min
